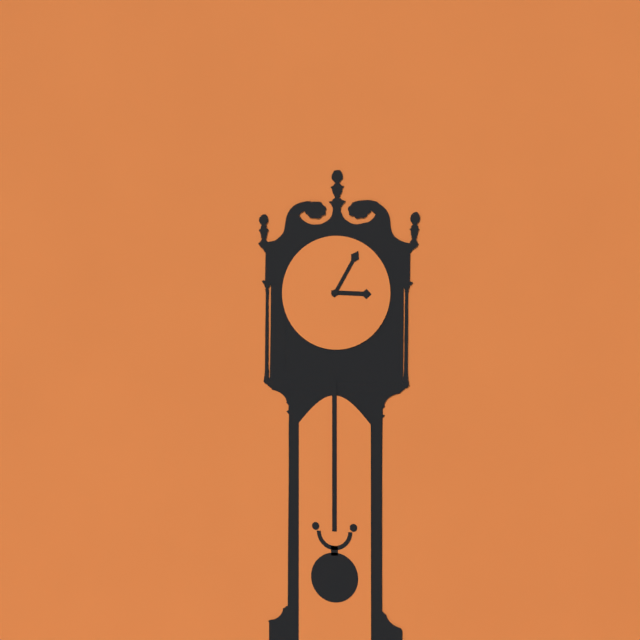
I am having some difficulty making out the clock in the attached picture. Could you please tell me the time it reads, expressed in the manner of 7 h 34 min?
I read 3 h 05 min
